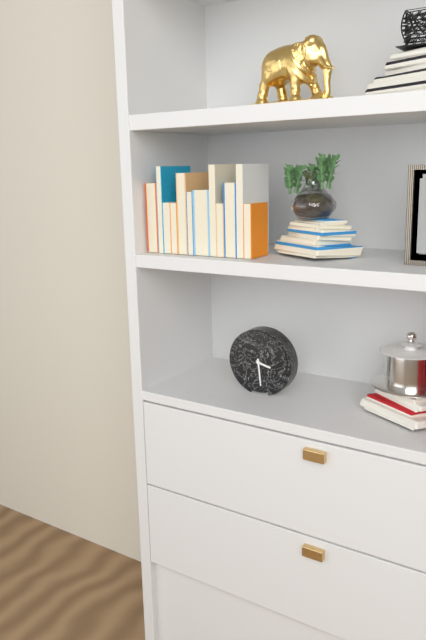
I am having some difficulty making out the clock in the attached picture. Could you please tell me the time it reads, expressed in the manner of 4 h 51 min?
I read 3 h 29 min
